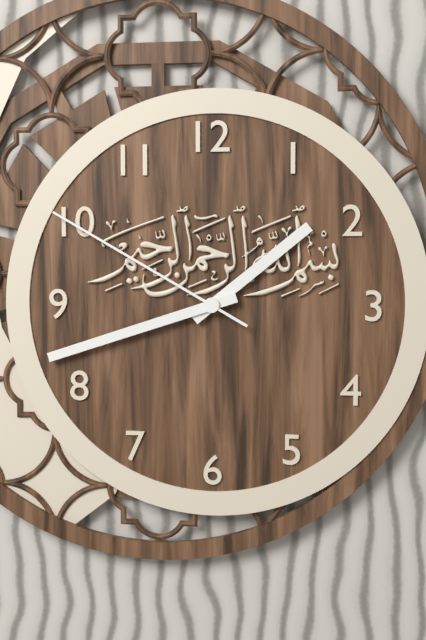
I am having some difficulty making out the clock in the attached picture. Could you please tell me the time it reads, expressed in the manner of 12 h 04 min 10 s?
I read 1 h 42 min 50 s
